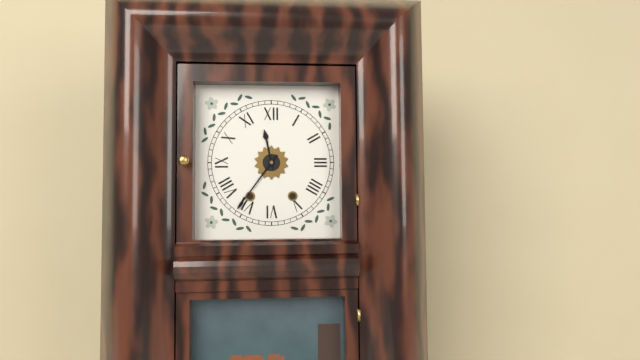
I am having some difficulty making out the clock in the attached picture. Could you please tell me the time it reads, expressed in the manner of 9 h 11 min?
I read 11 h 36 min
